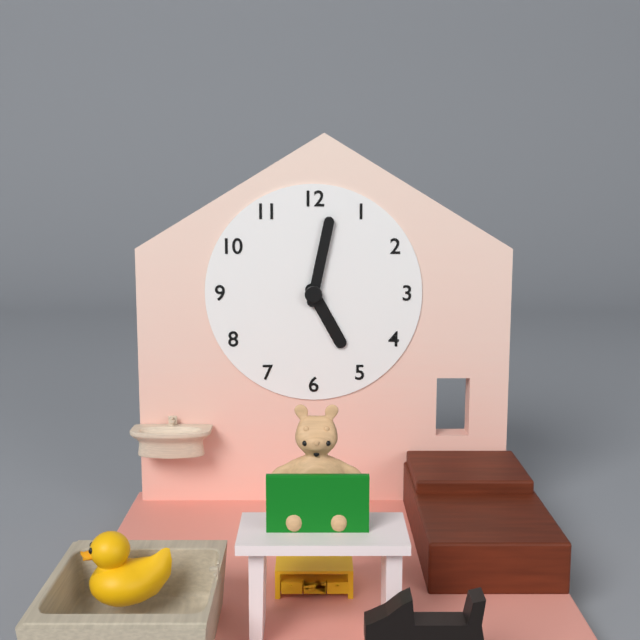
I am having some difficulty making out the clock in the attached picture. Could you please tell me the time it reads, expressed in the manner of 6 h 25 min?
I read 5 h 02 min
